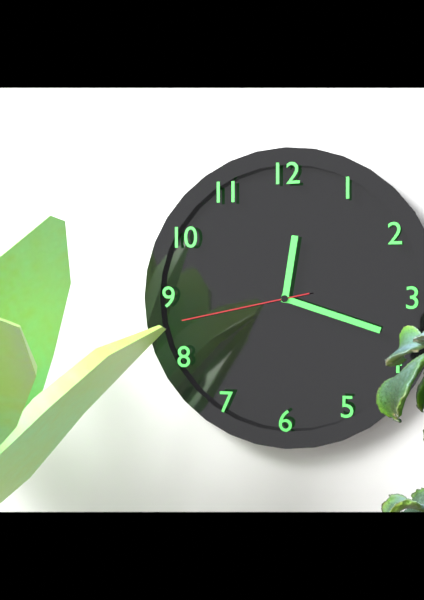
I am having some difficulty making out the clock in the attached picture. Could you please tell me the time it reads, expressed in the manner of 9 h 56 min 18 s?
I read 12 h 18 min 43 s
